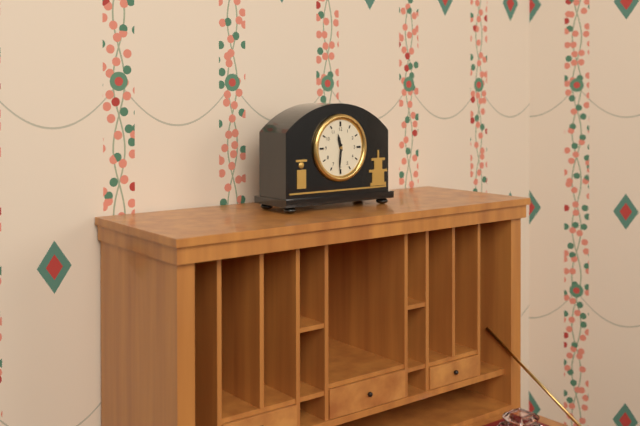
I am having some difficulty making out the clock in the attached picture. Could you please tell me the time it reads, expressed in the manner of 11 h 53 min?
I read 11 h 31 min
